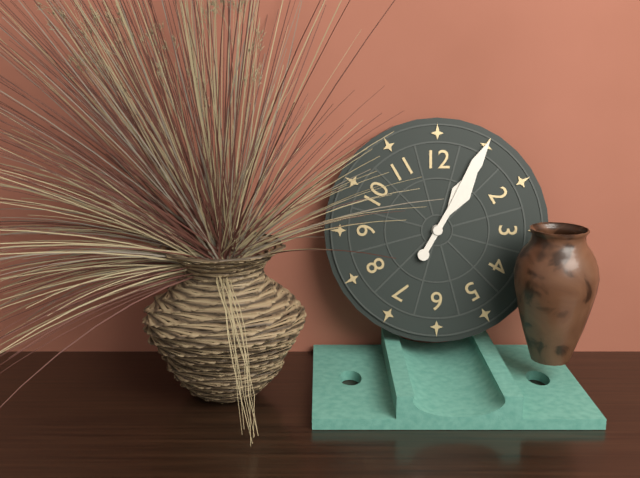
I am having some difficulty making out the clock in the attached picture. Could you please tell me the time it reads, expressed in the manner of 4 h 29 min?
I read 1 h 05 min
